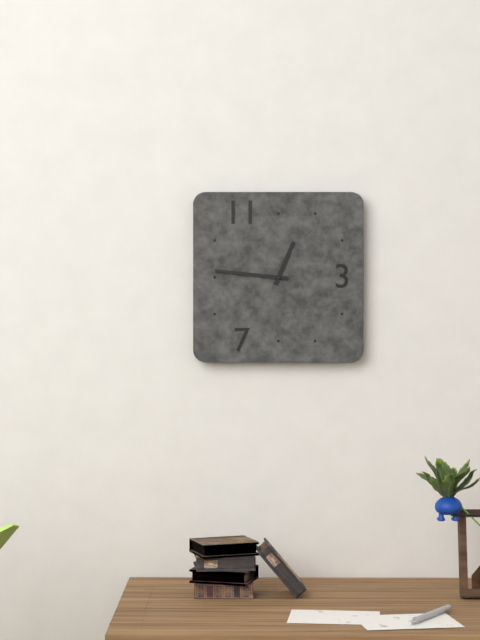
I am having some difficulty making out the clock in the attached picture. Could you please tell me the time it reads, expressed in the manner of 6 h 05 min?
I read 12 h 46 min
